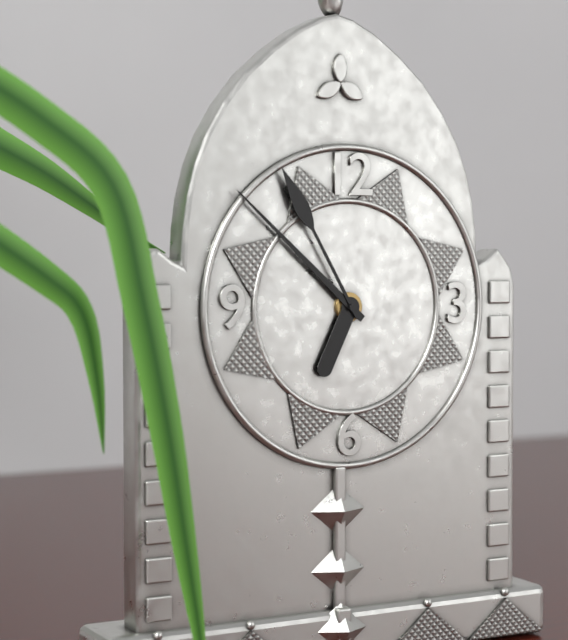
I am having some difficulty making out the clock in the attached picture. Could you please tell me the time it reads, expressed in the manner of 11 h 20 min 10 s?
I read 6 h 52 min 55 s
